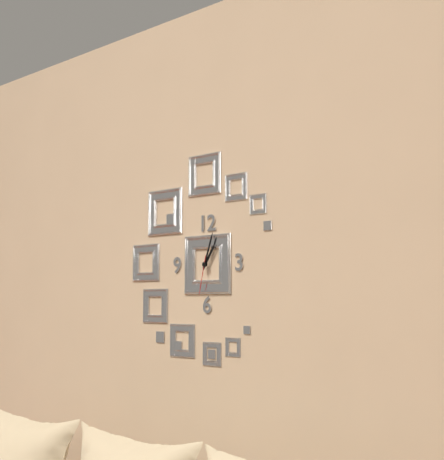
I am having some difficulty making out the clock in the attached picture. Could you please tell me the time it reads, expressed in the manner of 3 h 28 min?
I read 1 h 03 min
